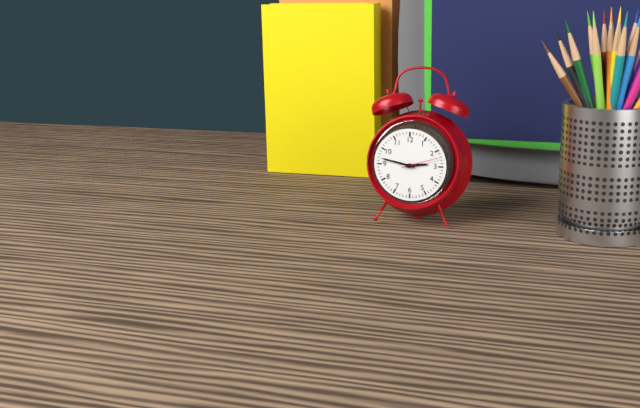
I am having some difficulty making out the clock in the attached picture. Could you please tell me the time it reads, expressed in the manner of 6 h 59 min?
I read 2 h 47 min
